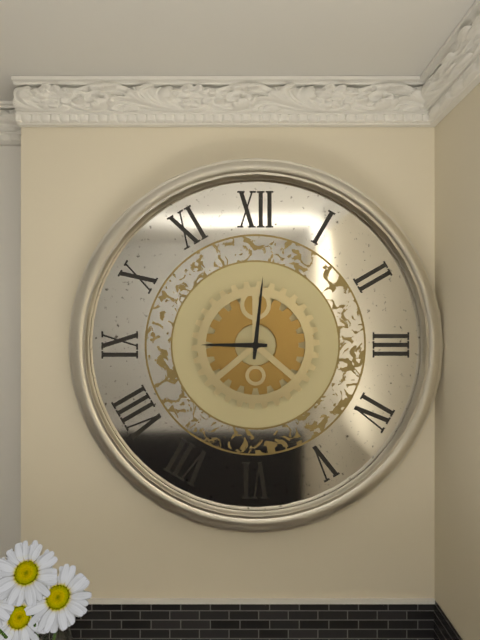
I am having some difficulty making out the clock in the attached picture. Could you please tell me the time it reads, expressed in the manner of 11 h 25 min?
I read 9 h 01 min
